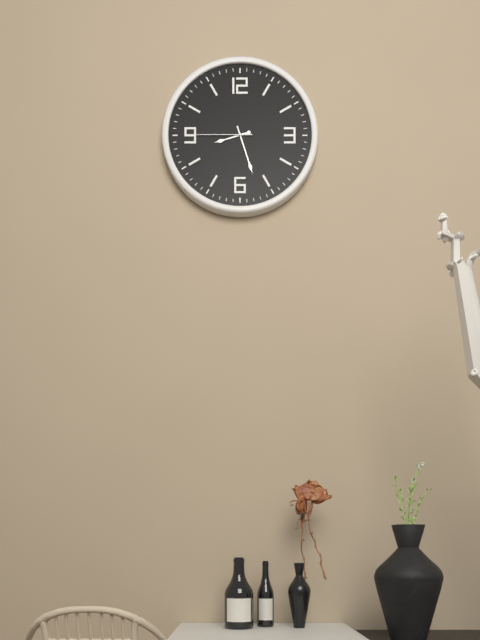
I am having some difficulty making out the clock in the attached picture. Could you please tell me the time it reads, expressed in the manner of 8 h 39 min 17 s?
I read 8 h 27 min 45 s
